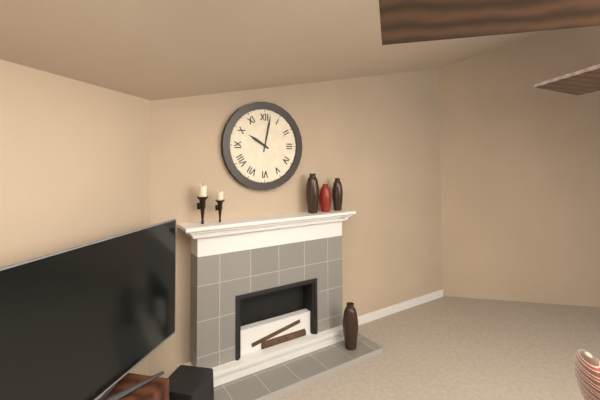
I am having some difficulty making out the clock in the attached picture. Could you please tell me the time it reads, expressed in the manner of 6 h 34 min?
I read 10 h 02 min
